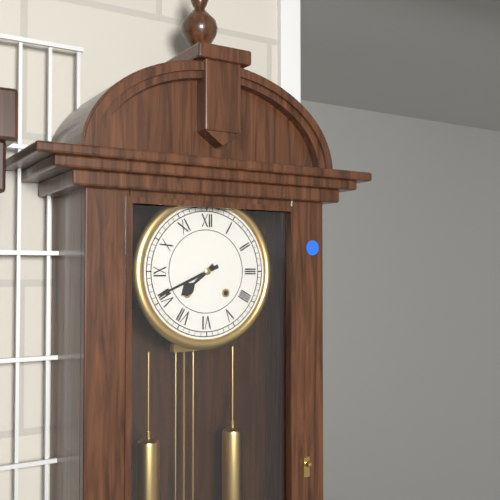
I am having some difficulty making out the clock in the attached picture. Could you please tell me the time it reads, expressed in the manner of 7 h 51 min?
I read 7 h 41 min
